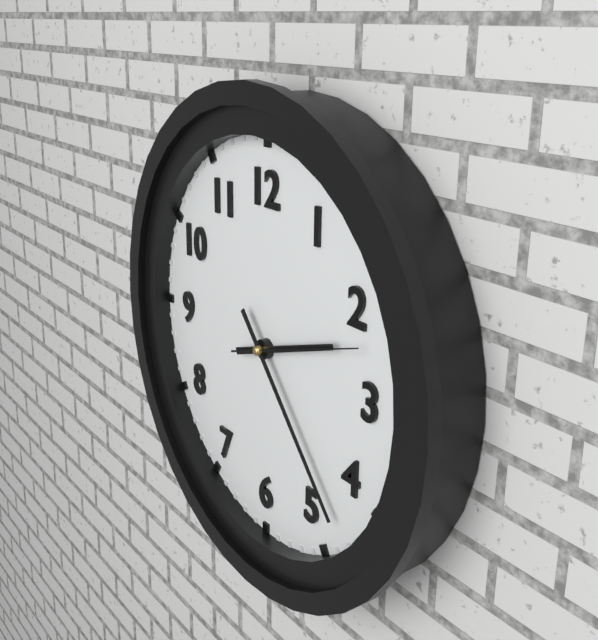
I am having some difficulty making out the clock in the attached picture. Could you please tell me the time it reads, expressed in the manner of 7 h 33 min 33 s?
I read 2 h 23 min 12 s
